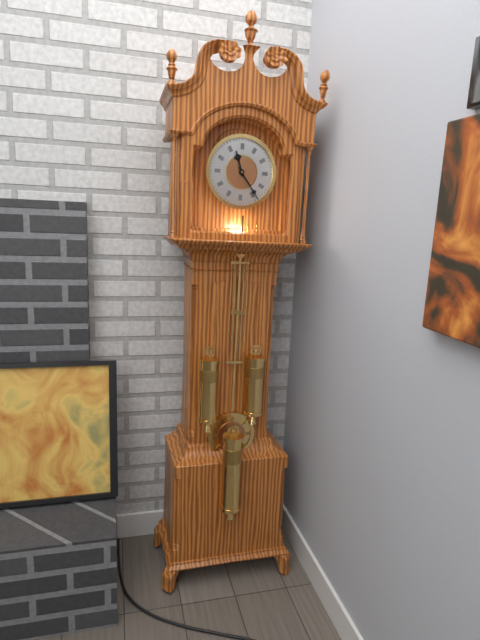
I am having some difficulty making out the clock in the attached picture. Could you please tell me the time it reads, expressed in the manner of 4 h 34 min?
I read 11 h 24 min
